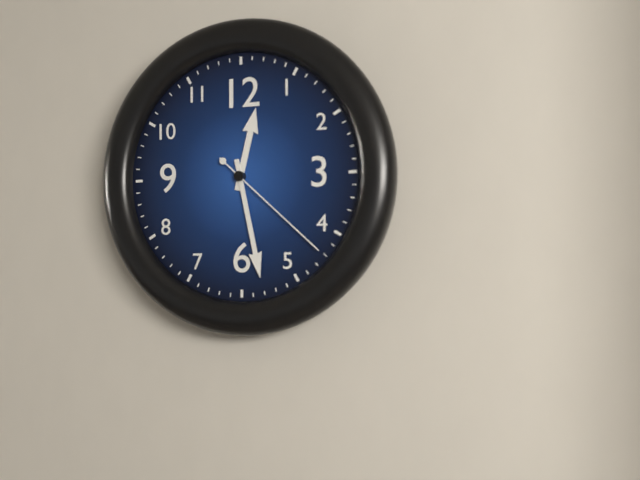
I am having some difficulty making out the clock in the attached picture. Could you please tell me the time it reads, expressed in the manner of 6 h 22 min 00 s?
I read 12 h 28 min 22 s
